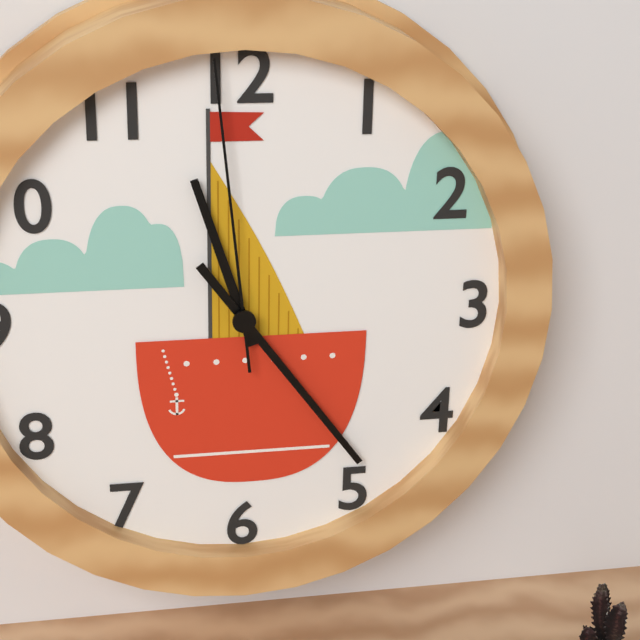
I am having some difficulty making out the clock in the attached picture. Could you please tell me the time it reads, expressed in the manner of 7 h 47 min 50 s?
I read 11 h 24 min 59 s
